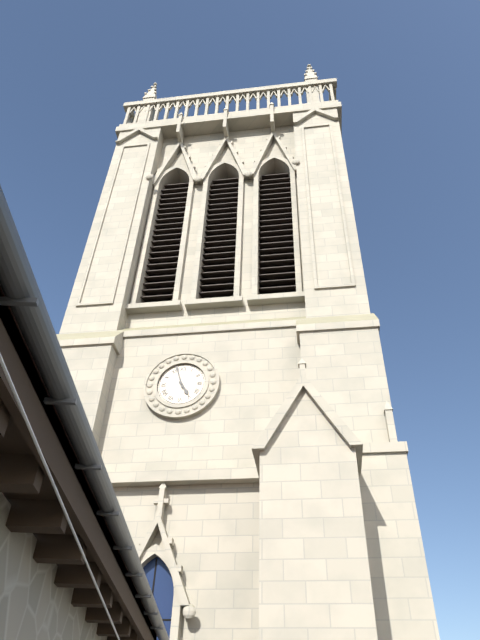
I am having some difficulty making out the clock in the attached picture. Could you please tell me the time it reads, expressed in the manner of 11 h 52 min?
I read 4 h 57 min
